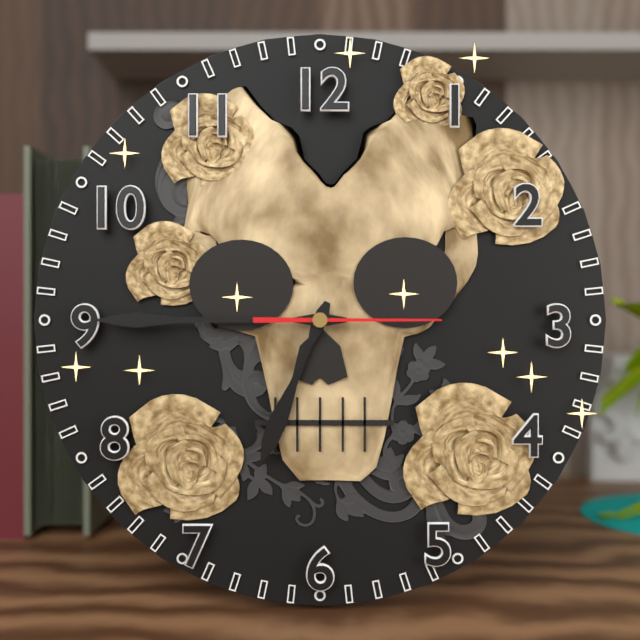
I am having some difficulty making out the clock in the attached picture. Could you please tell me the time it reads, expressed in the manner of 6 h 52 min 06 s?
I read 6 h 45 min 15 s
